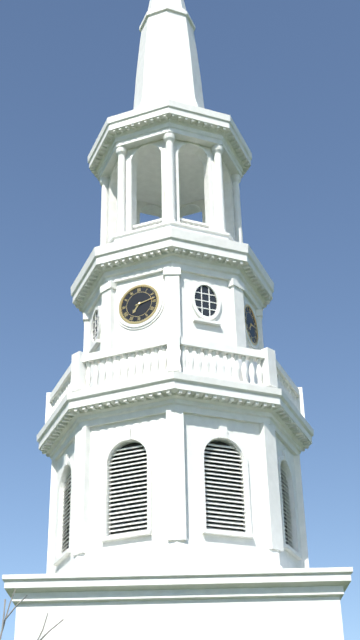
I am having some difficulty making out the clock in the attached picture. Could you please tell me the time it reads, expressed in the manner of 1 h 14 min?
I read 7 h 13 min
